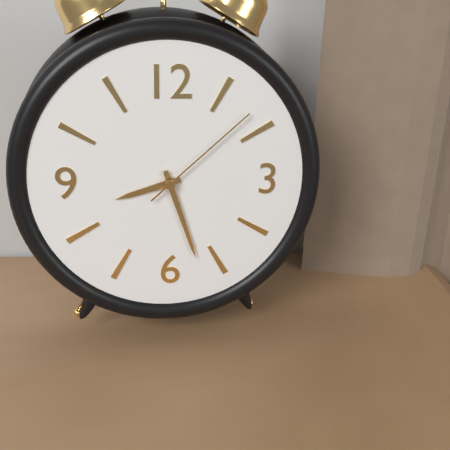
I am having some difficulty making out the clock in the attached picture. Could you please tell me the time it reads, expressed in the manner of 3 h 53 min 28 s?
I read 8 h 27 min 08 s
